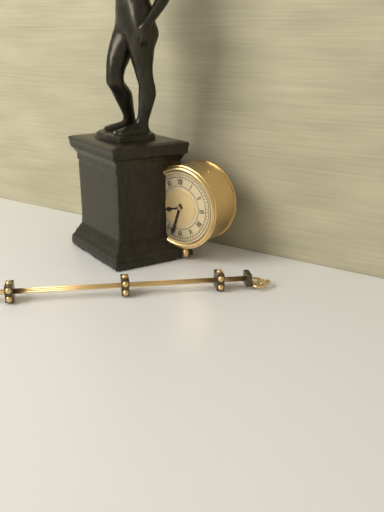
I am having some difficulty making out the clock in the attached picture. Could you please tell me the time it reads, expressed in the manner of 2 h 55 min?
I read 8 h 33 min
